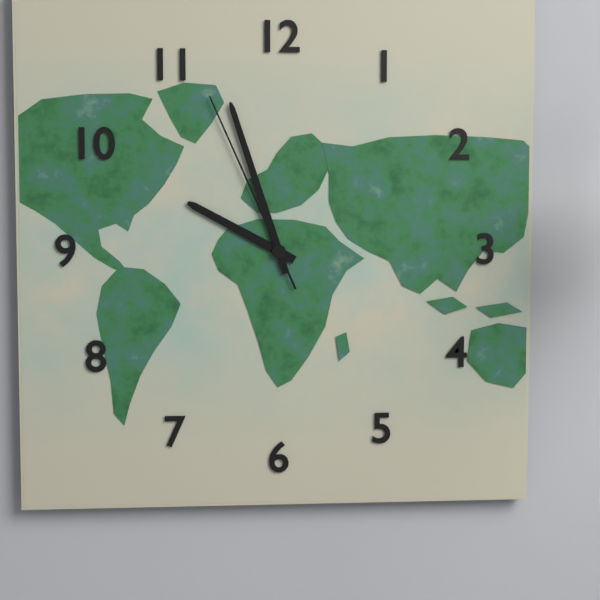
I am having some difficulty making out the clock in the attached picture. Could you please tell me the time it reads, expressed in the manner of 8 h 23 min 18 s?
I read 9 h 57 min 56 s
